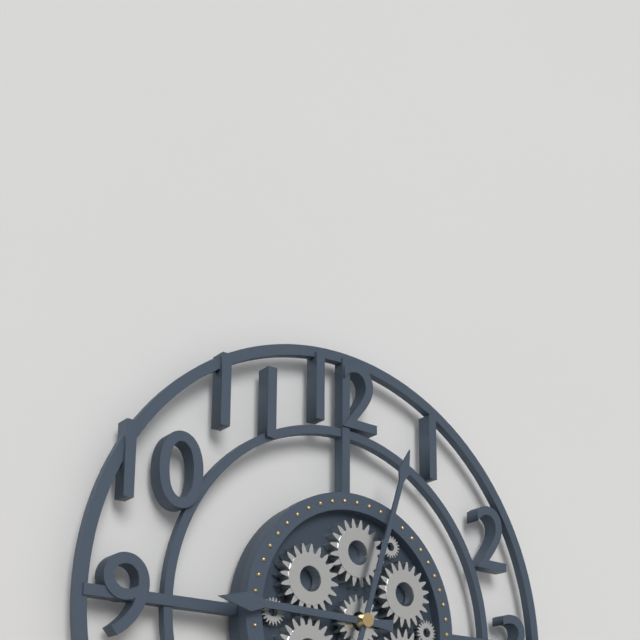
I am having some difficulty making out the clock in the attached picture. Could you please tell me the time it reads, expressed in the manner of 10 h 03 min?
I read 9 h 03 min
